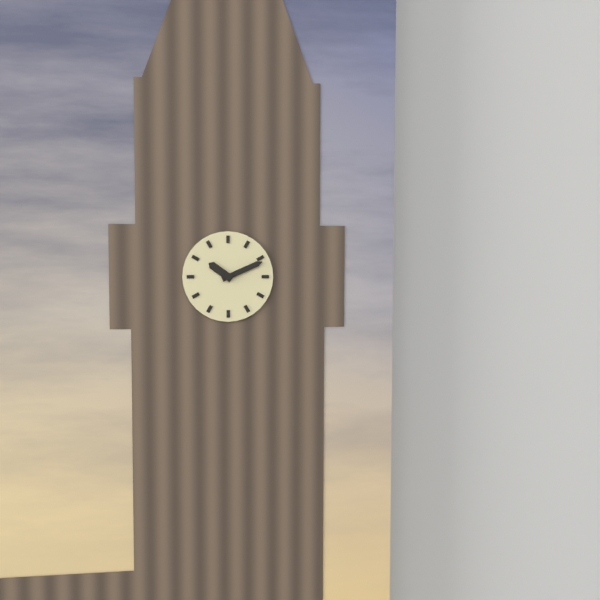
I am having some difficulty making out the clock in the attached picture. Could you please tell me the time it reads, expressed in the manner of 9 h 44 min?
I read 10 h 11 min
